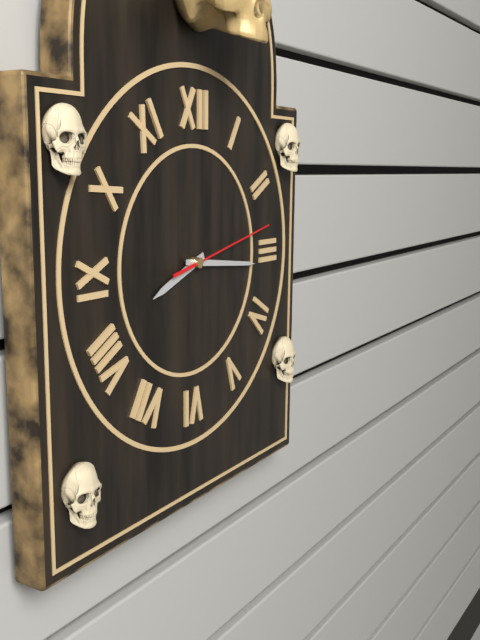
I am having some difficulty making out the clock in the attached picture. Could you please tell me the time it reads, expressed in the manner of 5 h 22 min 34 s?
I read 8 h 16 min 13 s
